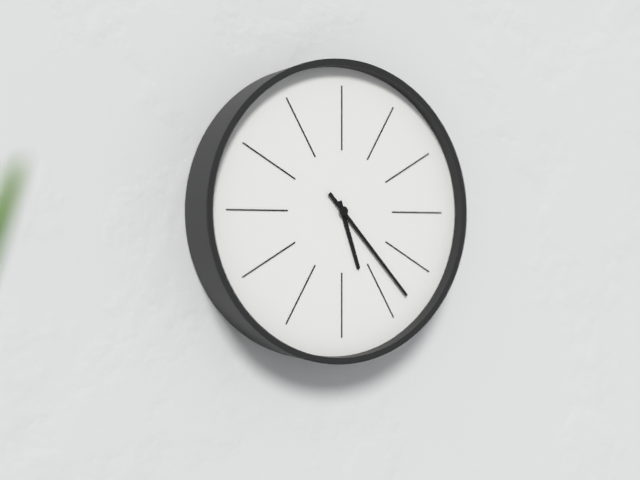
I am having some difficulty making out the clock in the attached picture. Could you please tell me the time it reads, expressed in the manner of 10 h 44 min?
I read 5 h 23 min
